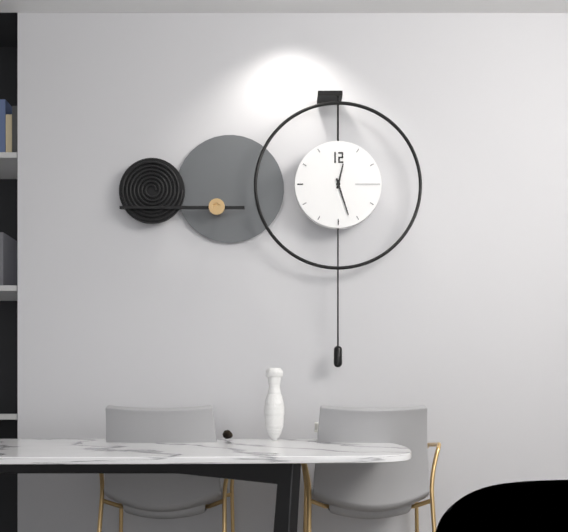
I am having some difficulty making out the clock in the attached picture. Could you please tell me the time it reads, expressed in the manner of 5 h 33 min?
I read 12 h 27 min
